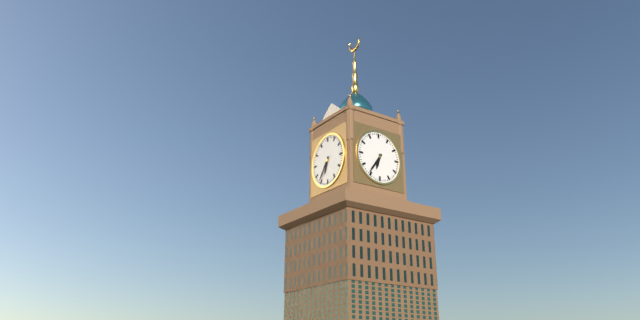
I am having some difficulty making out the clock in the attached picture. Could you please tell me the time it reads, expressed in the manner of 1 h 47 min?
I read 6 h 36 min
